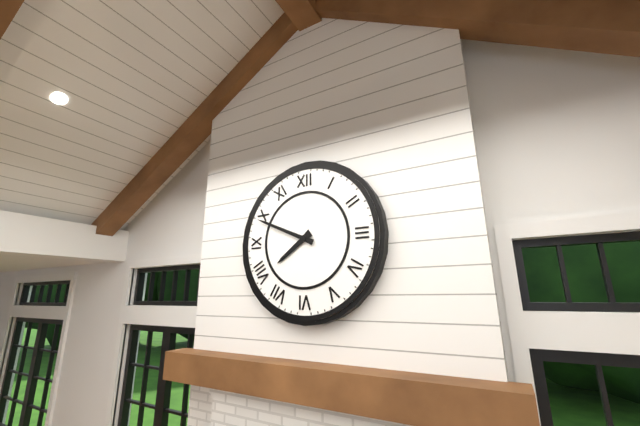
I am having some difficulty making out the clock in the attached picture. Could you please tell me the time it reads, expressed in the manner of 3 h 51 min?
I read 7 h 49 min
